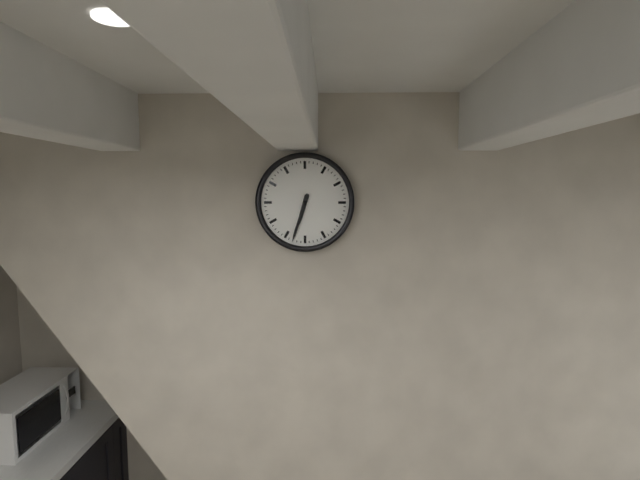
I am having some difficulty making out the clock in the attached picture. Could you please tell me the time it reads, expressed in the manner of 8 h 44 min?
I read 6 h 33 min
